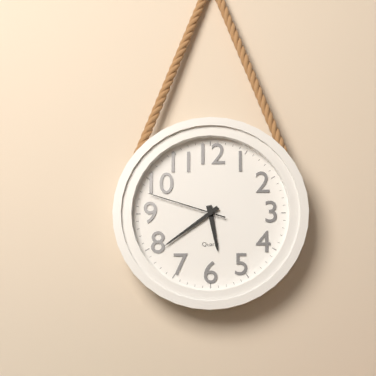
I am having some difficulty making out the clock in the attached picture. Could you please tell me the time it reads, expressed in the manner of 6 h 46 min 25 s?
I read 5 h 39 min 48 s
